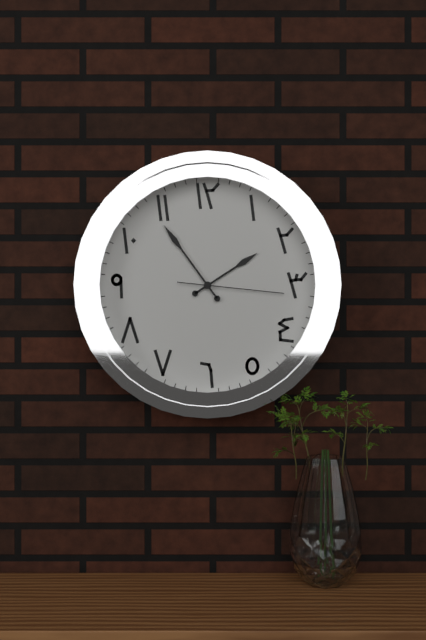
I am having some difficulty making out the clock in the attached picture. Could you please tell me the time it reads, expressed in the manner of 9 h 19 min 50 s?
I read 1 h 54 min 16 s
